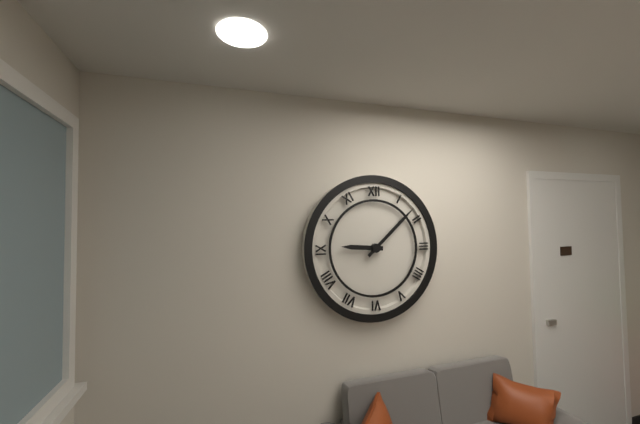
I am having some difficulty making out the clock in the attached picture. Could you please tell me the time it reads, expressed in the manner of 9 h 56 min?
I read 9 h 08 min
